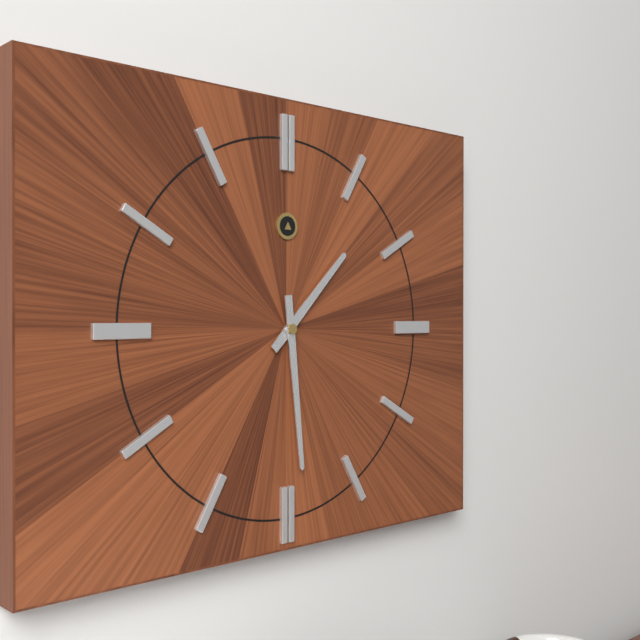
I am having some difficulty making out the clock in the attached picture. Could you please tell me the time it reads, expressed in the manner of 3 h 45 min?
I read 1 h 29 min
